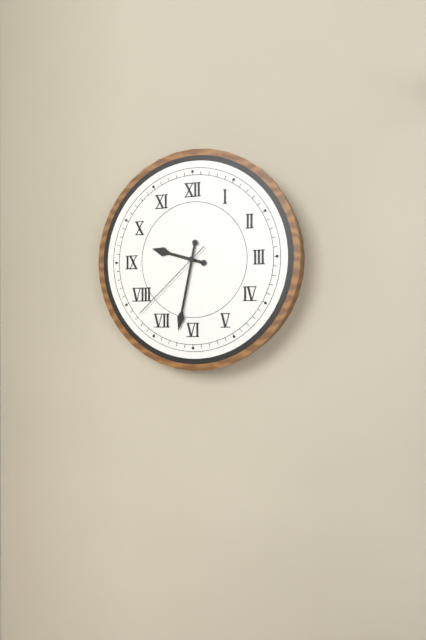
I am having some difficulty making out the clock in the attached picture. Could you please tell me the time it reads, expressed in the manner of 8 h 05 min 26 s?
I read 9 h 32 min 38 s
